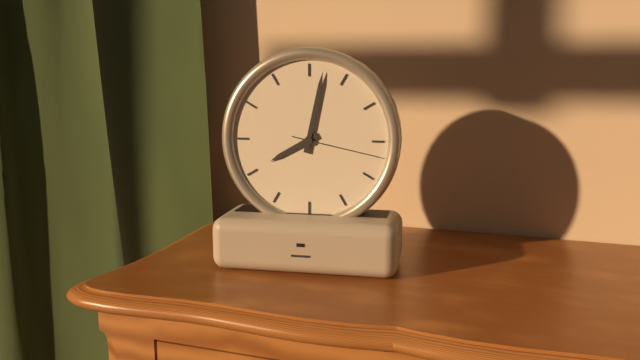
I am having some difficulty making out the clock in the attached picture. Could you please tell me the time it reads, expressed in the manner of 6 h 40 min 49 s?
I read 8 h 02 min 17 s
